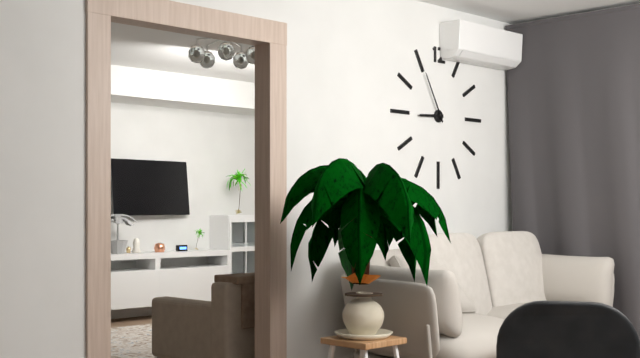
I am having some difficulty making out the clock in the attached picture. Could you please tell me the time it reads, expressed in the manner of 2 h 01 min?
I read 8 h 55 min
